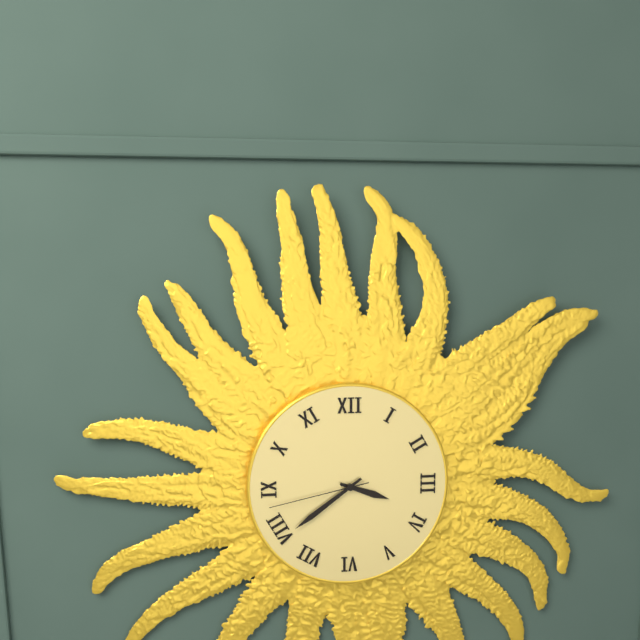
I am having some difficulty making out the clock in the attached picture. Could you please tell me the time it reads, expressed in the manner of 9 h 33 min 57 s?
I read 3 h 39 min 43 s
